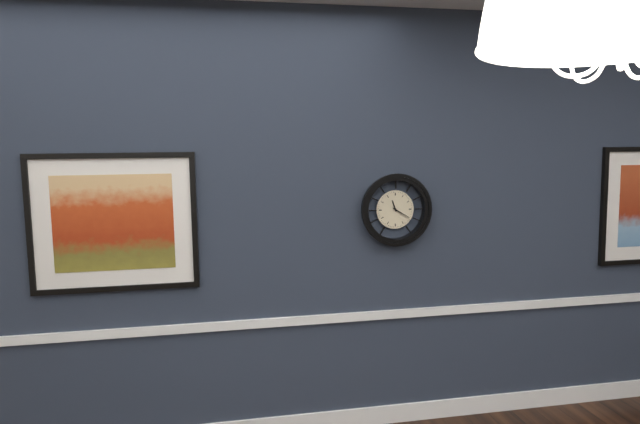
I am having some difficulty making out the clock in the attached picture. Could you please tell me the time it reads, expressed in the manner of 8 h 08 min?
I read 11 h 20 min
